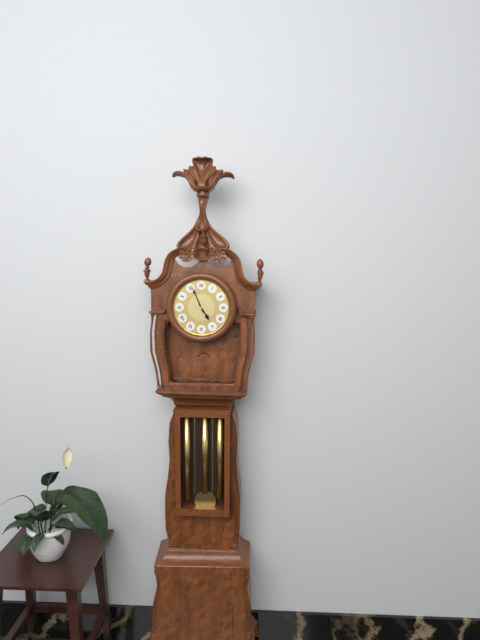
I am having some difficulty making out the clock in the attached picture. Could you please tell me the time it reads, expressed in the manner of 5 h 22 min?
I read 4 h 56 min
